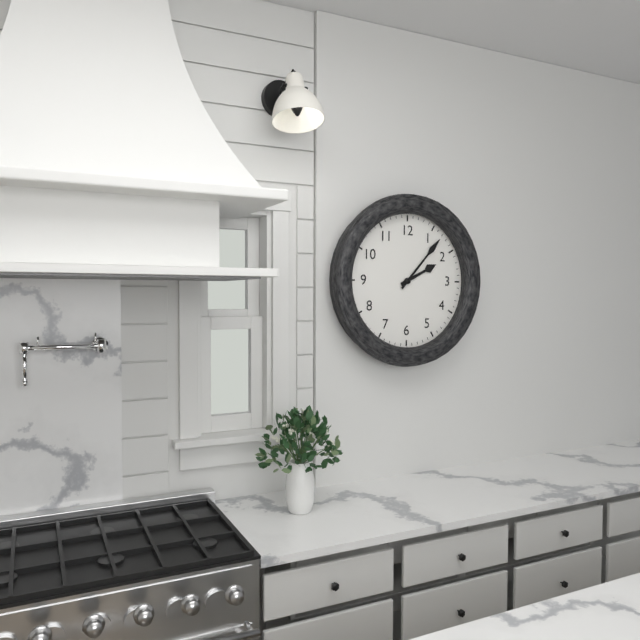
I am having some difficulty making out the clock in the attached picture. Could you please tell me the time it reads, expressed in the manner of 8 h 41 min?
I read 2 h 07 min
